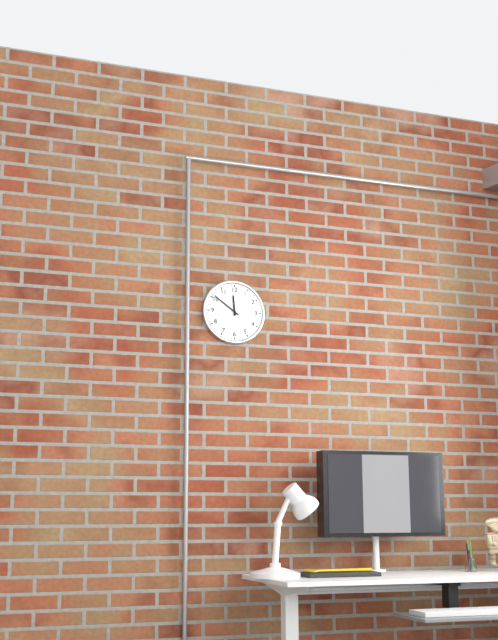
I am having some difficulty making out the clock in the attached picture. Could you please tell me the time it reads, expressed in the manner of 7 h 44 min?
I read 11 h 51 min
